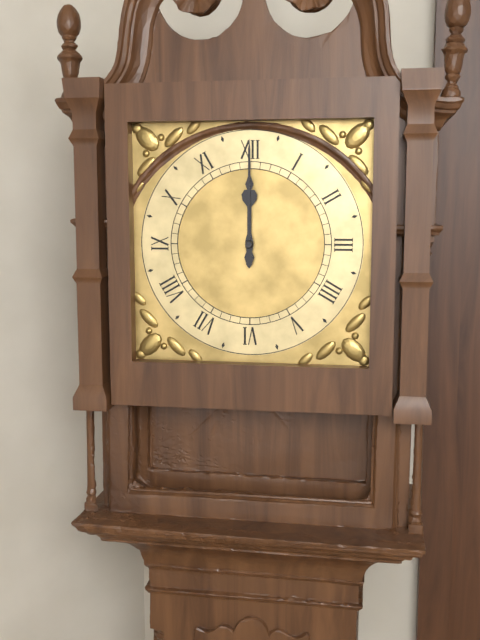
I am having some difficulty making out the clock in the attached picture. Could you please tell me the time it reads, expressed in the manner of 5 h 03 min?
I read 12 h 00 min
